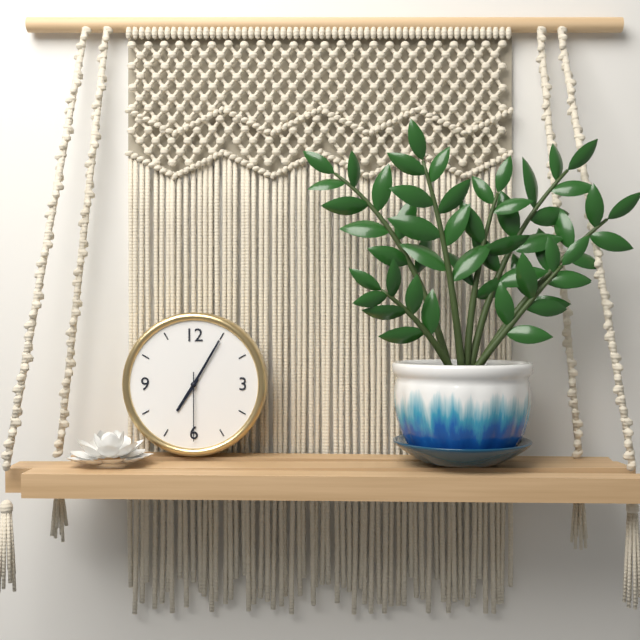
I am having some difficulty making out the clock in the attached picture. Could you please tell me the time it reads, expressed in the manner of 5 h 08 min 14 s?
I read 7 h 05 min 30 s
